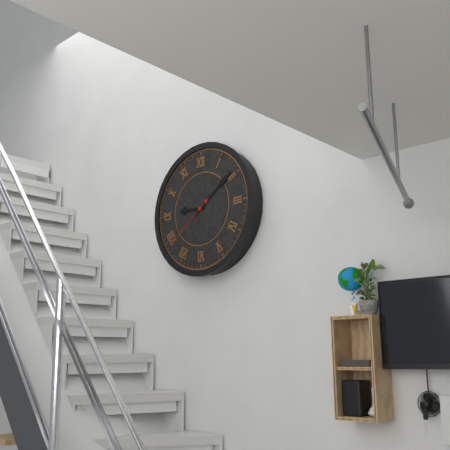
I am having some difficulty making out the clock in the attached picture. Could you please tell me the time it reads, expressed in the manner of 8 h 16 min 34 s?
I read 9 h 09 min 39 s
